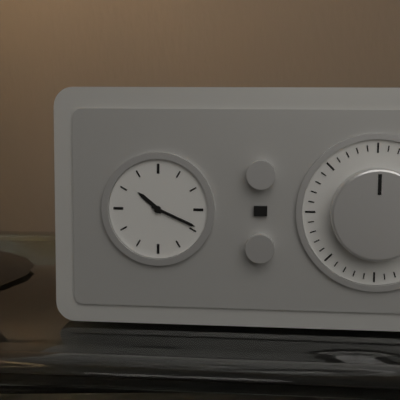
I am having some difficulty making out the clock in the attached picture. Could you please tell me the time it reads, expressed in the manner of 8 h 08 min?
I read 10 h 19 min
